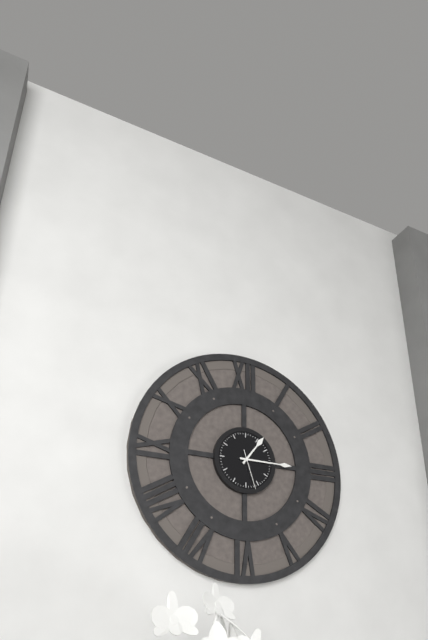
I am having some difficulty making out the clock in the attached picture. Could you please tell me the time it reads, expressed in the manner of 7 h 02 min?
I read 1 h 15 min
